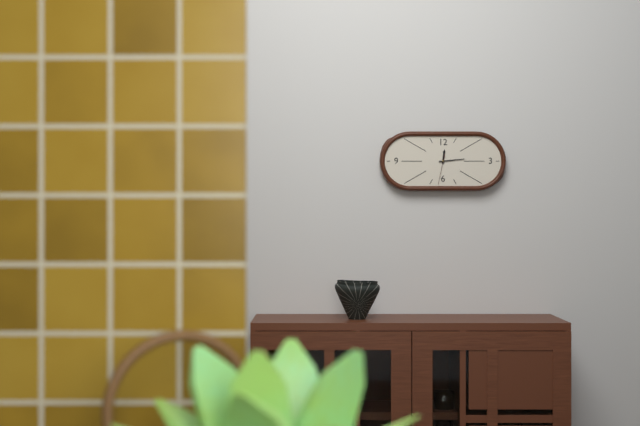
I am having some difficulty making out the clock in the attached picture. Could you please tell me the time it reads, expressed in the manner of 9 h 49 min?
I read 12 h 14 min
